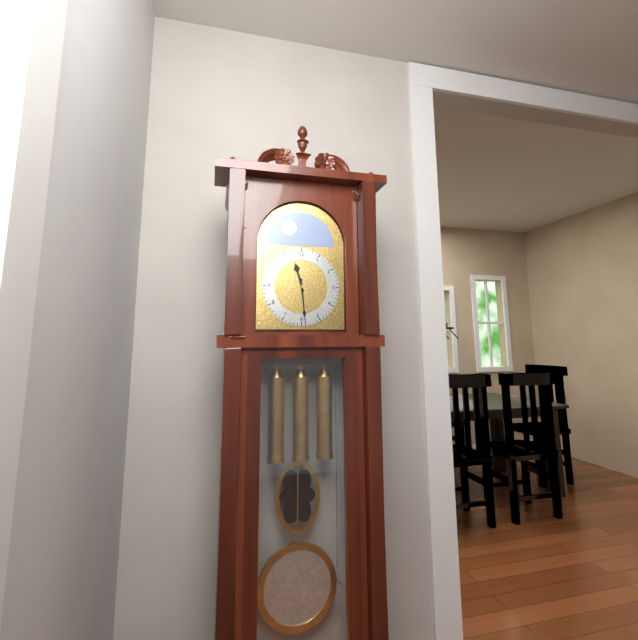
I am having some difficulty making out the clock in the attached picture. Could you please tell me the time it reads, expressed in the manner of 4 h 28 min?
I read 11 h 29 min
